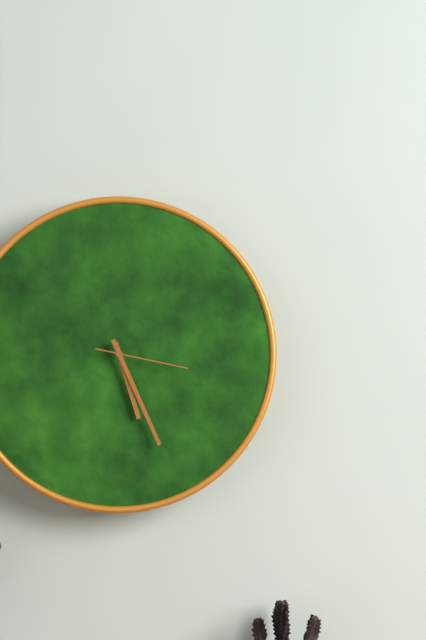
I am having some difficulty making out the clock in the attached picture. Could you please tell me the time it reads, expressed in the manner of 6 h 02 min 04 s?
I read 5 h 26 min 17 s
